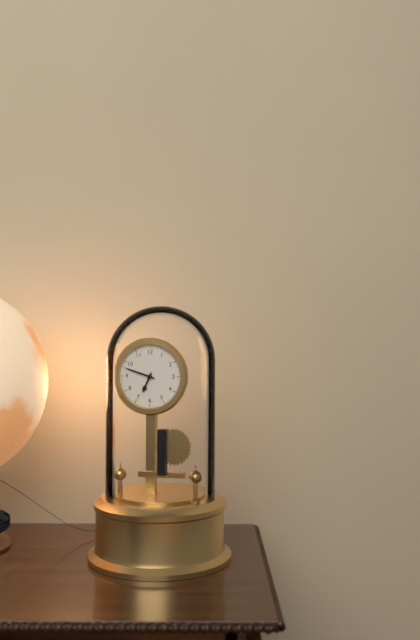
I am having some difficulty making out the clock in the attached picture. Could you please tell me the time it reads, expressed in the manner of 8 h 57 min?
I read 6 h 48 min
